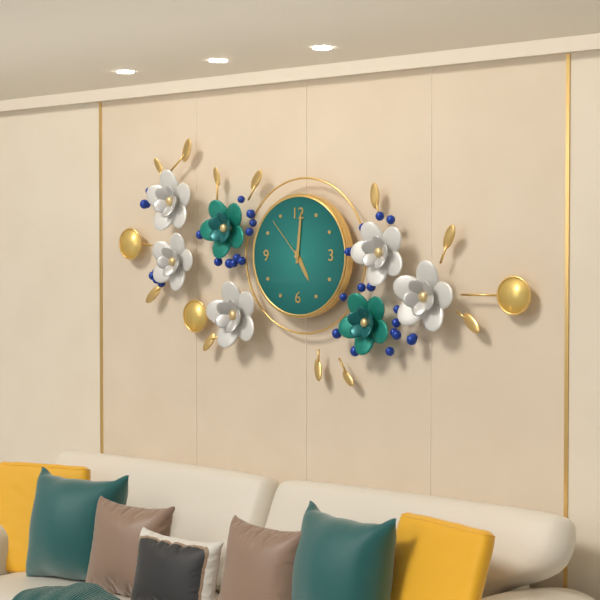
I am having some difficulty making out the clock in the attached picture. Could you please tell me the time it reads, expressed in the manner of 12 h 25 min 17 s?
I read 5 h 01 min 53 s
